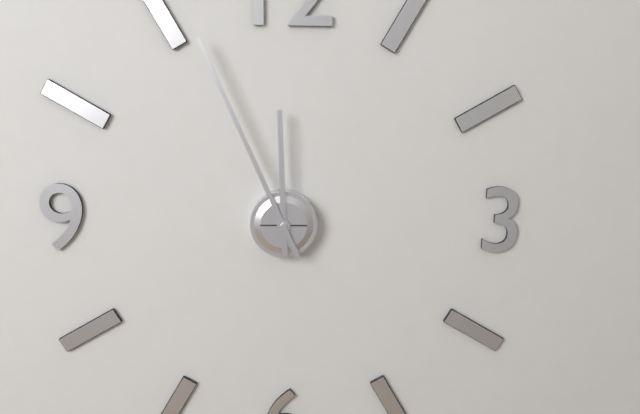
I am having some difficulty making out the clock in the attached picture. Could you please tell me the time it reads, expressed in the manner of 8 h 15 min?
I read 11 h 56 min
